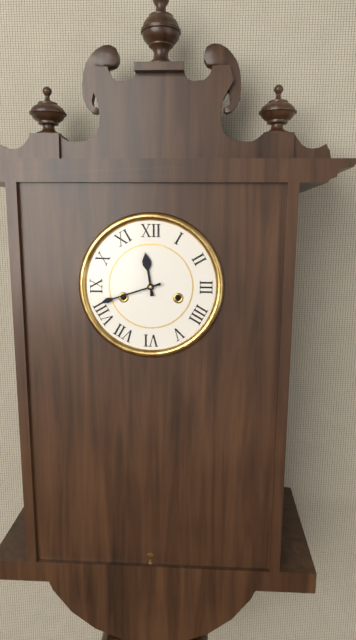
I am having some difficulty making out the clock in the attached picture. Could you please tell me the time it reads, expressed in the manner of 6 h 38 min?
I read 11 h 42 min
